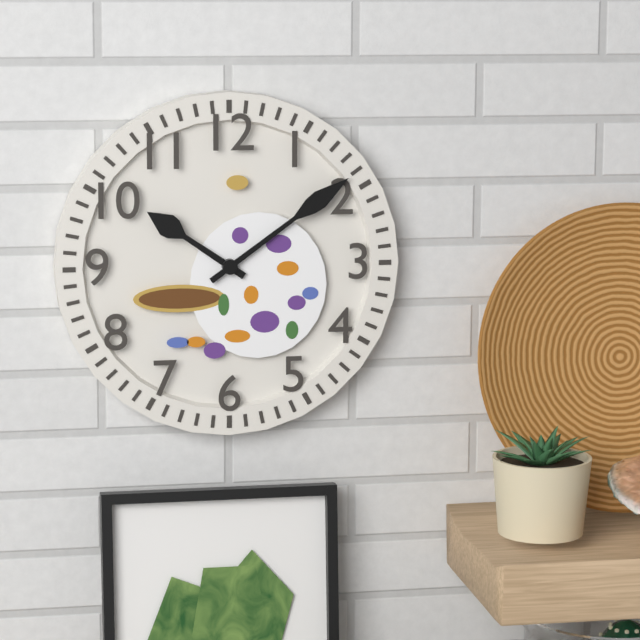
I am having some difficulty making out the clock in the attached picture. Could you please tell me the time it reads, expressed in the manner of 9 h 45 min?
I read 10 h 09 min
